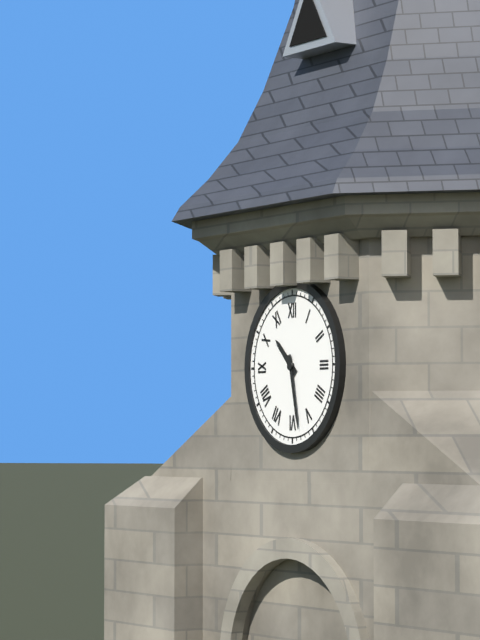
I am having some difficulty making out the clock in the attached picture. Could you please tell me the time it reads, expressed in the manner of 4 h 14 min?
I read 10 h 28 min
